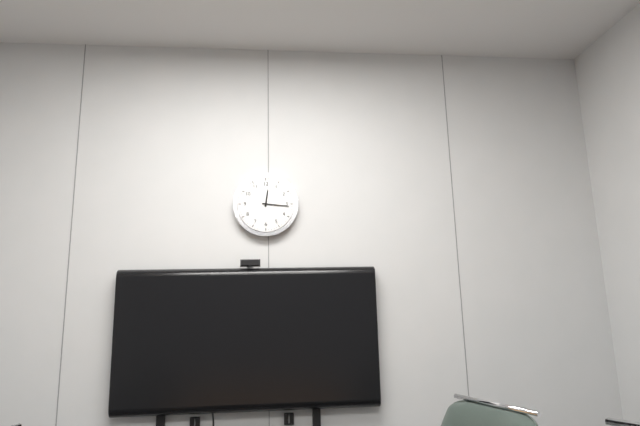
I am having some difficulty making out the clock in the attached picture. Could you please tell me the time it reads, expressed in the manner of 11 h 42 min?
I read 12 h 16 min
